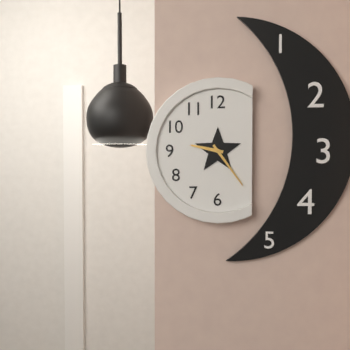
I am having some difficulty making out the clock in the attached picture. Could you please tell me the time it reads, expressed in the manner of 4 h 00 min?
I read 9 h 24 min
